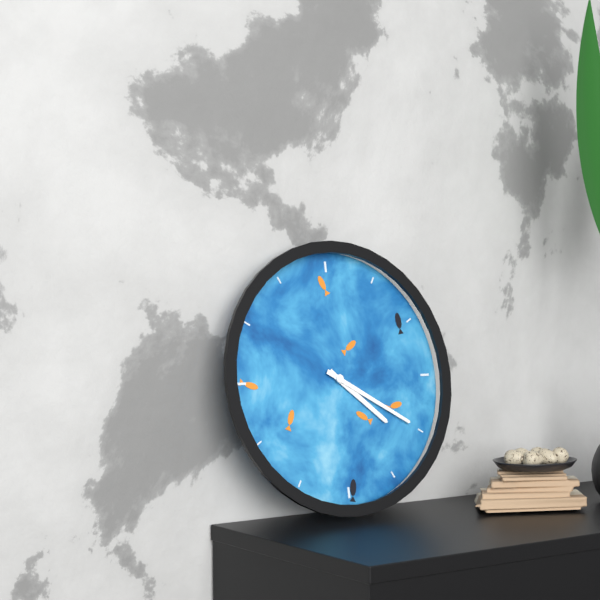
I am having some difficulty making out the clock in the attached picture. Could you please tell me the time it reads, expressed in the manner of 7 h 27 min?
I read 4 h 20 min
